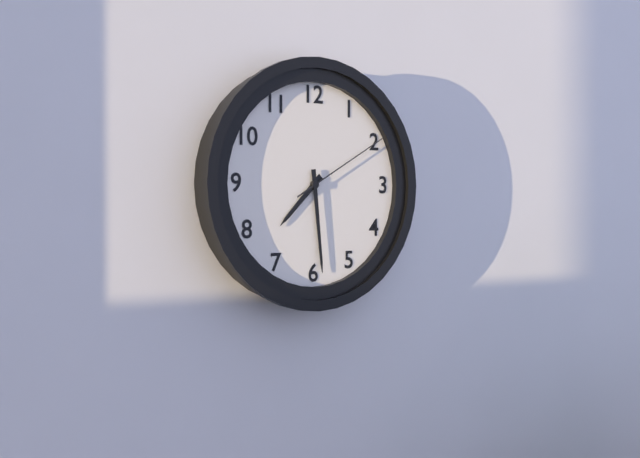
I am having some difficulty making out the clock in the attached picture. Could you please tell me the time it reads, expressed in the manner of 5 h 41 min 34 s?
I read 7 h 29 min 10 s
